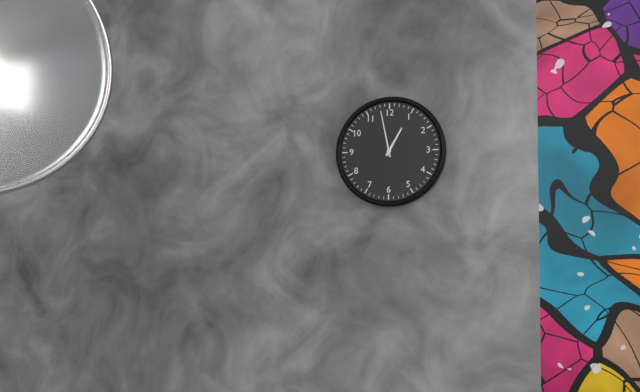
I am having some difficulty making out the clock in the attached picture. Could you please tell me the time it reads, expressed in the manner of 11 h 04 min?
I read 12 h 58 min
